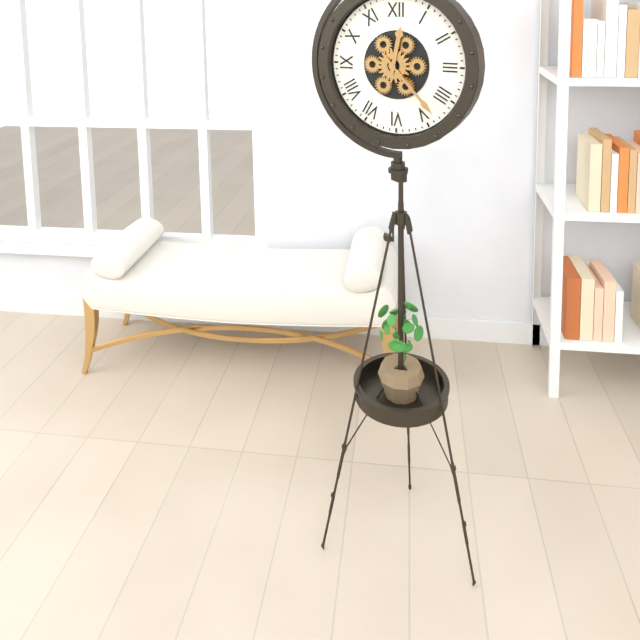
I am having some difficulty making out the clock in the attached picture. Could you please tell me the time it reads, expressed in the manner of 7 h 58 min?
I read 12 h 23 min
